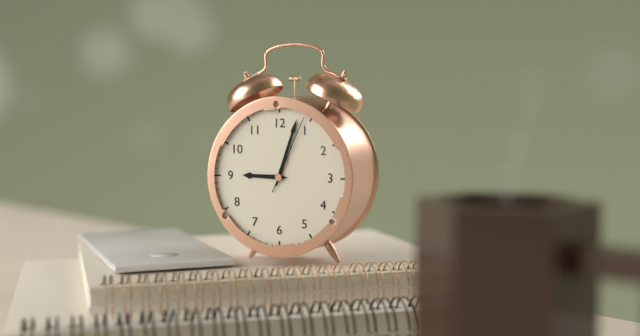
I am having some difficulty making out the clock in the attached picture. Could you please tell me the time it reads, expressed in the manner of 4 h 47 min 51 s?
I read 9 h 03 min 04 s
